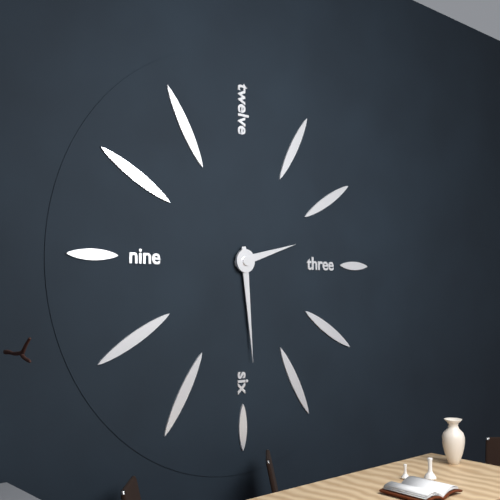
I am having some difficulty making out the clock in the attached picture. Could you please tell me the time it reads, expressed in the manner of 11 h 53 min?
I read 2 h 29 min
